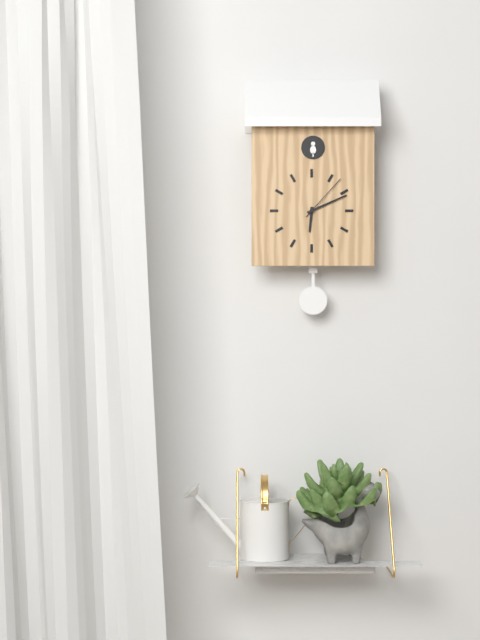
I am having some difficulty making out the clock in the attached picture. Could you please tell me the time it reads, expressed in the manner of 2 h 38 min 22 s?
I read 6 h 11 min 07 s
